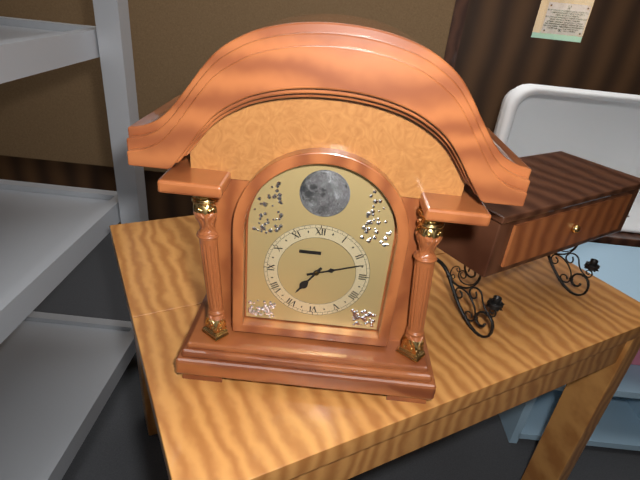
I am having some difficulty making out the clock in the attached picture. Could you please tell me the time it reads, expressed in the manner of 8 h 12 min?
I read 7 h 12 min
